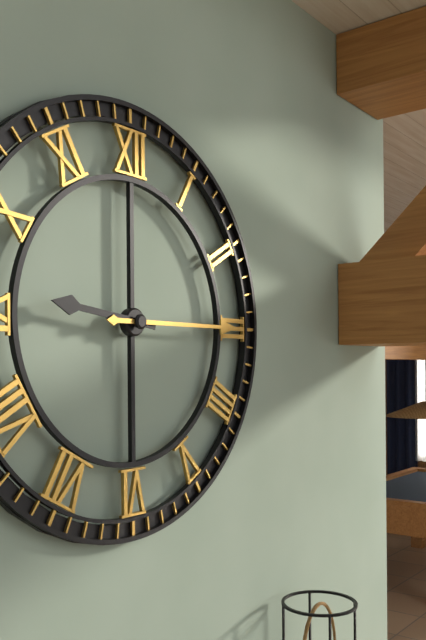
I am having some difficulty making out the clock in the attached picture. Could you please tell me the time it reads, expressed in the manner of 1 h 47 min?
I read 9 h 15 min
